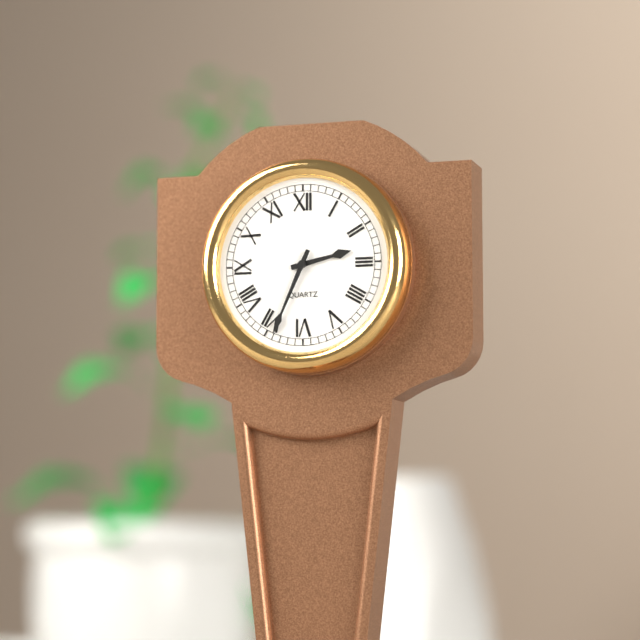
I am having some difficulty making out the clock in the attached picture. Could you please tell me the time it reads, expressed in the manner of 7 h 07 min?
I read 2 h 34 min
